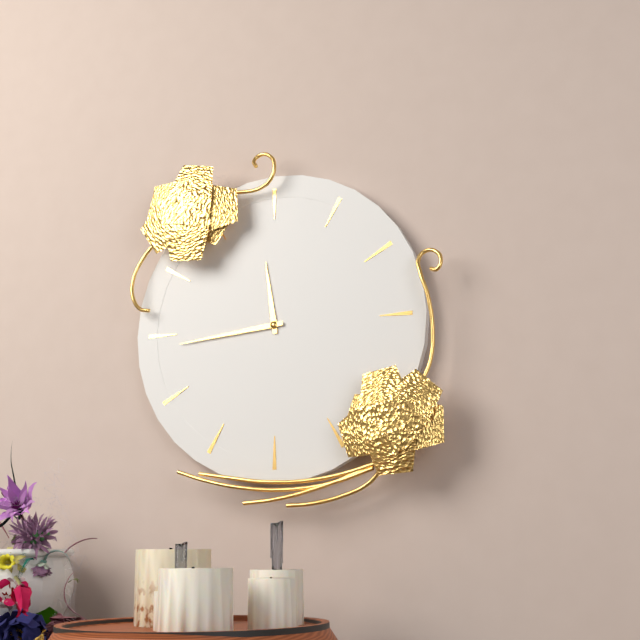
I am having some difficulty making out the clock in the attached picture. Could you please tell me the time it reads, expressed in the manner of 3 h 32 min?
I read 11 h 44 min
